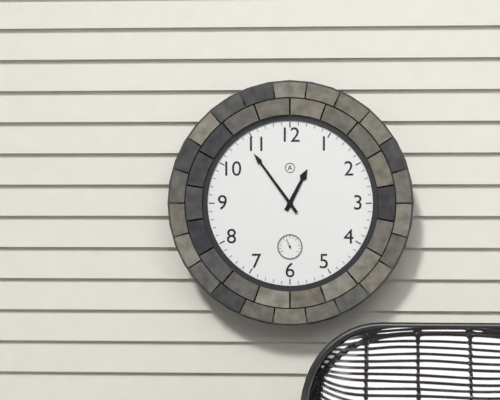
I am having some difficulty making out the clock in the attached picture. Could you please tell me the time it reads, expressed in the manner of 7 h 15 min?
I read 12 h 54 min
